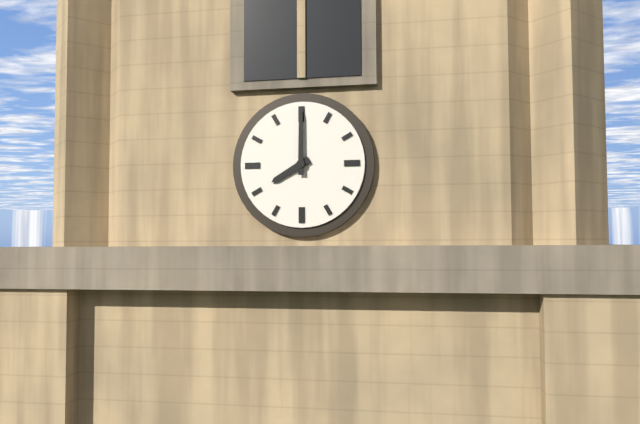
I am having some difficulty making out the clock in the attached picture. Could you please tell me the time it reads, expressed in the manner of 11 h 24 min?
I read 8 h 00 min
